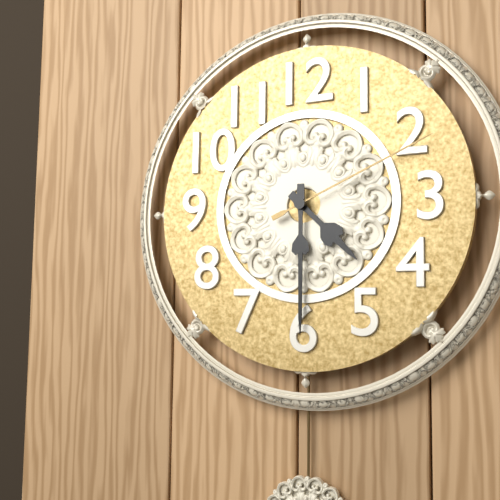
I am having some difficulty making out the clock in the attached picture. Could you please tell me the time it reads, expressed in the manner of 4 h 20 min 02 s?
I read 4 h 30 min 11 s
